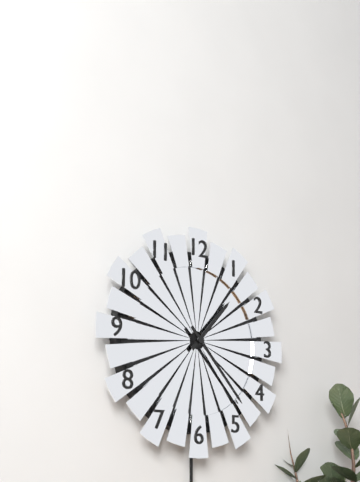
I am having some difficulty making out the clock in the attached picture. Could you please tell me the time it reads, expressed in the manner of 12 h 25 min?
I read 1 h 23 min
